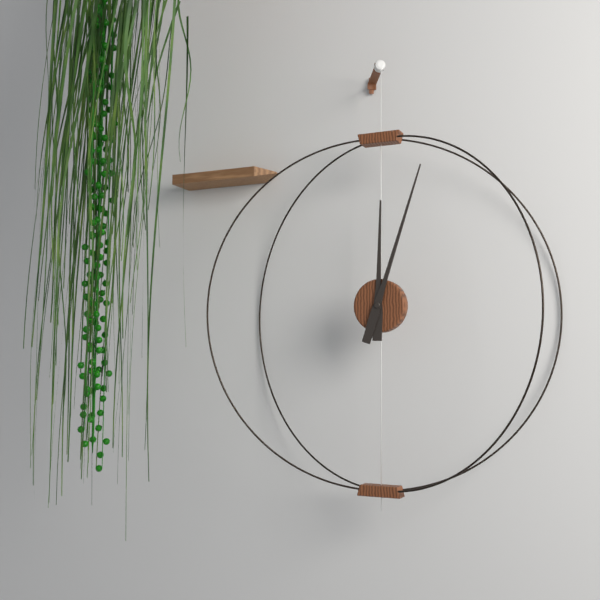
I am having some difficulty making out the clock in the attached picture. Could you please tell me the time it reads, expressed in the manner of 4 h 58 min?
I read 12 h 03 min
